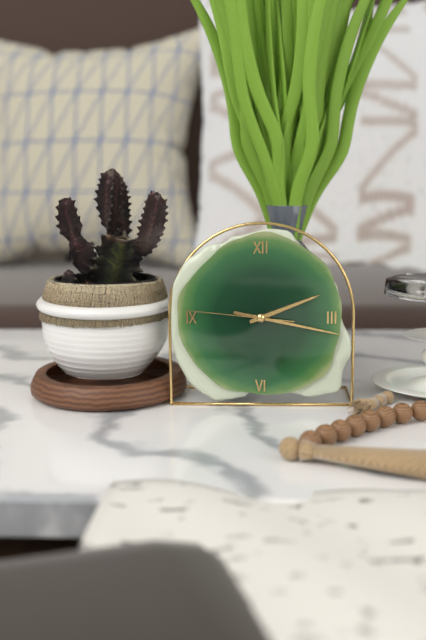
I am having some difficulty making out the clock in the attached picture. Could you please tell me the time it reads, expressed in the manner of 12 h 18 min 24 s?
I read 2 h 17 min 46 s
